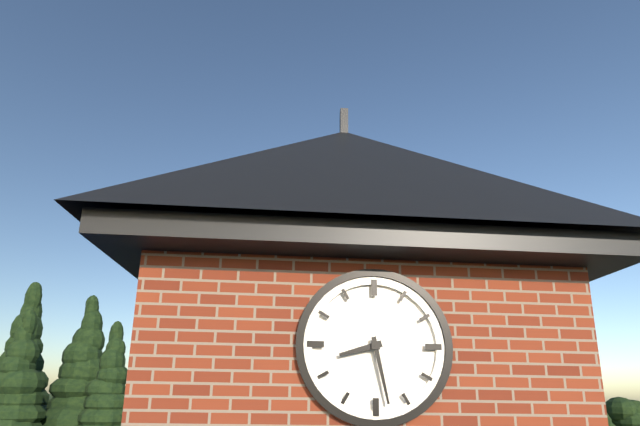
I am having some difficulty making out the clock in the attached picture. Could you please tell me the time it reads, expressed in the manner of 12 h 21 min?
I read 8 h 28 min
